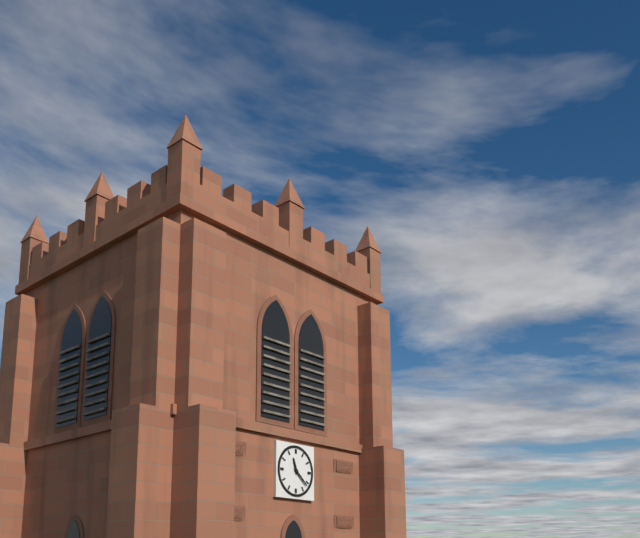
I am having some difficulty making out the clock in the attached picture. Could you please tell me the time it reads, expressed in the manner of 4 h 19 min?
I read 11 h 22 min
